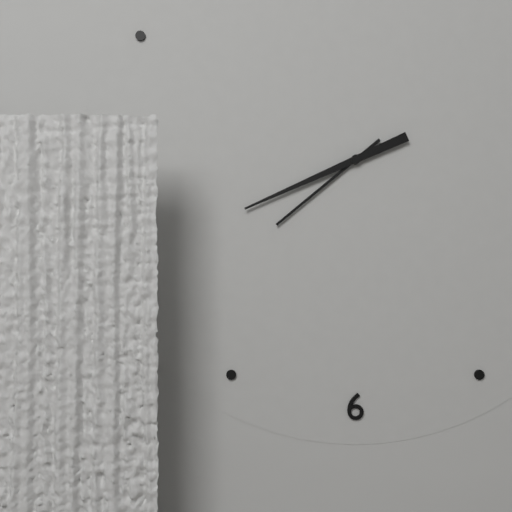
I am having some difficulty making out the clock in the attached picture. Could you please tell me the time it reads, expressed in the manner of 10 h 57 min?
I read 7 h 41 min
